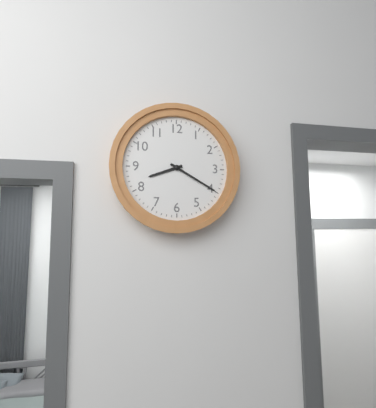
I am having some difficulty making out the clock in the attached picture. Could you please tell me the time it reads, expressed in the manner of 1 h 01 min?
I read 8 h 20 min
